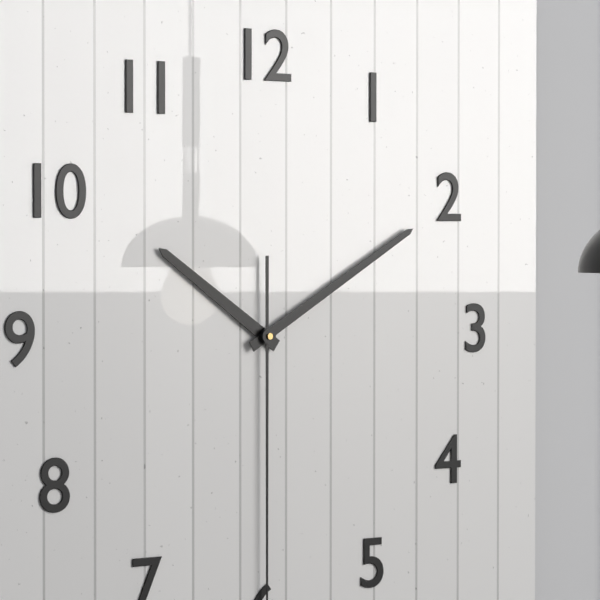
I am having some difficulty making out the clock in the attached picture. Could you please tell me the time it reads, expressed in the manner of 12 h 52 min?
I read 10 h 10 min
